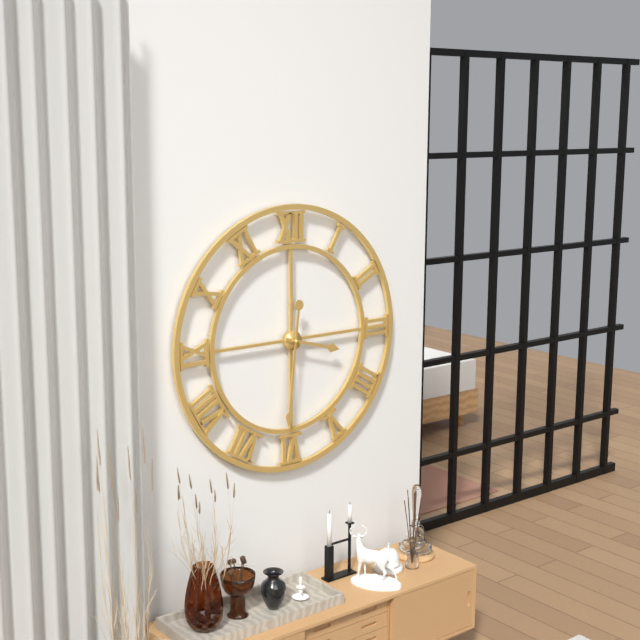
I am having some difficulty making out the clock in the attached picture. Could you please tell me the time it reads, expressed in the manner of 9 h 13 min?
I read 3 h 31 min
